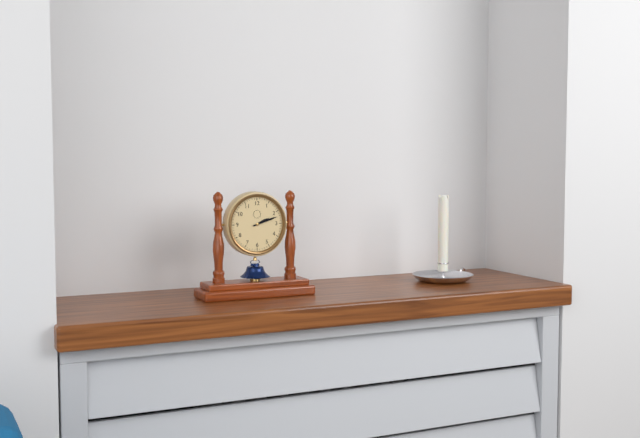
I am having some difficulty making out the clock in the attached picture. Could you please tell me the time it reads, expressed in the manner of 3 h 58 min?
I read 2 h 12 min
